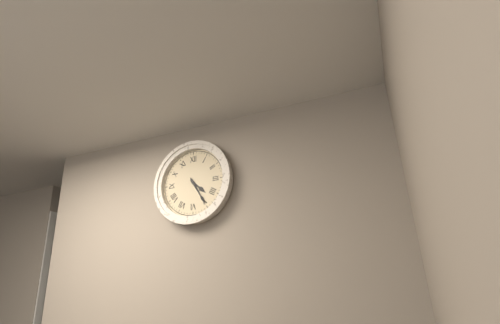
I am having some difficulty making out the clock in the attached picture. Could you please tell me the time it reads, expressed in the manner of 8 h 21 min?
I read 4 h 25 min
